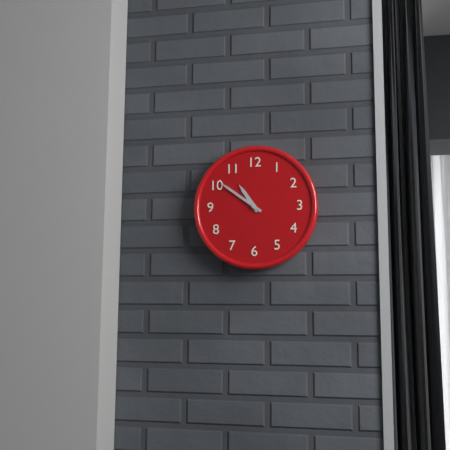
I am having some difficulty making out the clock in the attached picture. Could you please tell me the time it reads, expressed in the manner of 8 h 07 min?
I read 10 h 51 min
